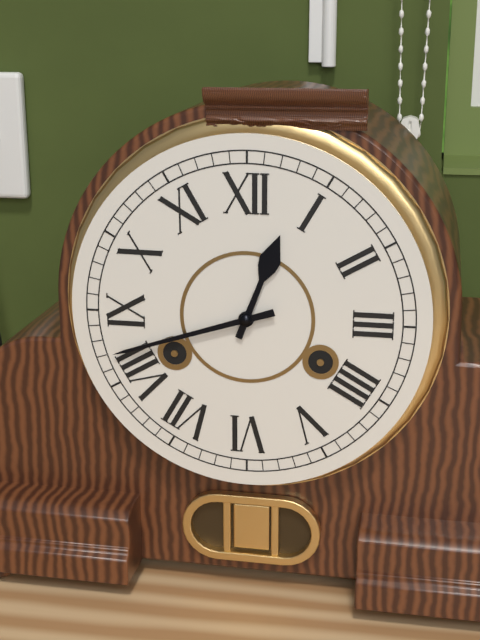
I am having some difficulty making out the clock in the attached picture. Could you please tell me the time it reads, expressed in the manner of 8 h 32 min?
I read 12 h 42 min
